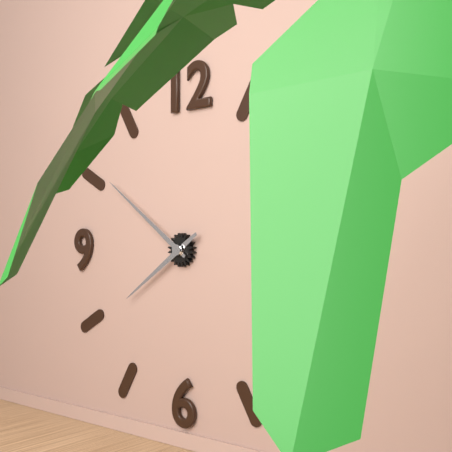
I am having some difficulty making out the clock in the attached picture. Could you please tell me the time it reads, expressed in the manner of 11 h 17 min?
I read 7 h 51 min
